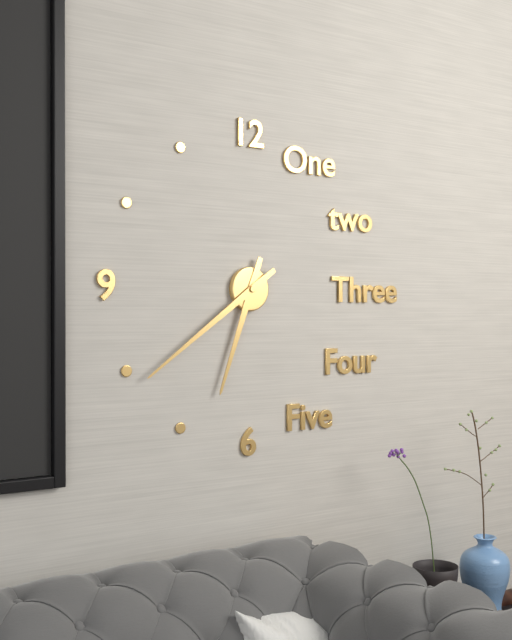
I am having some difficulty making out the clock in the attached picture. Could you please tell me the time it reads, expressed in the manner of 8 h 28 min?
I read 6 h 39 min
